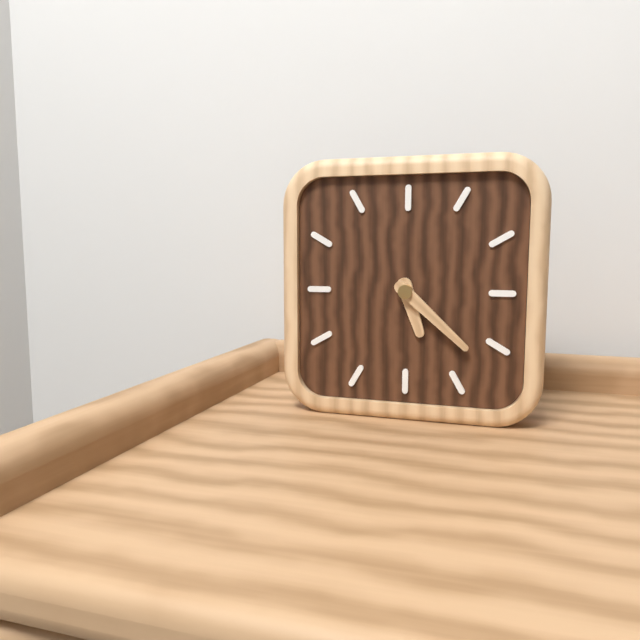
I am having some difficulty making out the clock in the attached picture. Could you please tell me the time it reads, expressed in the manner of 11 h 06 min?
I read 5 h 22 min
